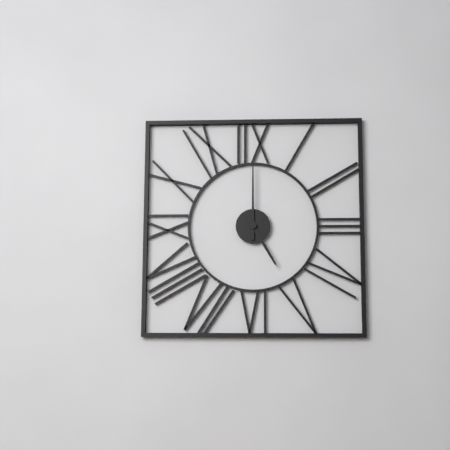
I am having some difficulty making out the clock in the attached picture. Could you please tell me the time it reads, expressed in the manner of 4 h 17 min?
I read 5 h 00 min
